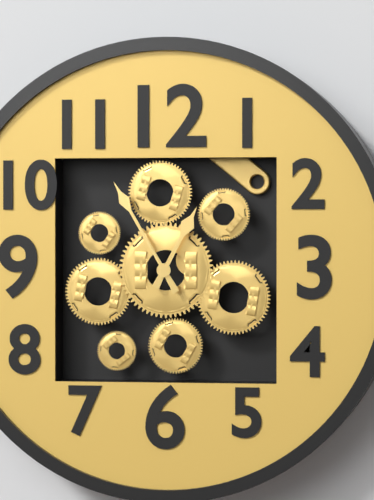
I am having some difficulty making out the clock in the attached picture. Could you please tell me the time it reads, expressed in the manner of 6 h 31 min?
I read 12 h 55 min
